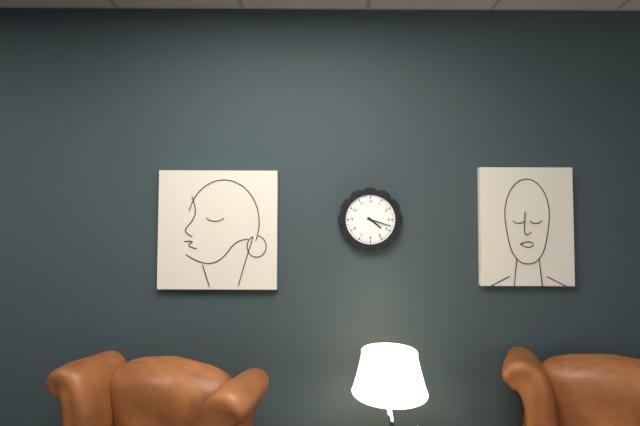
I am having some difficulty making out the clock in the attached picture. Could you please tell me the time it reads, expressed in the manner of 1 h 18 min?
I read 4 h 18 min
